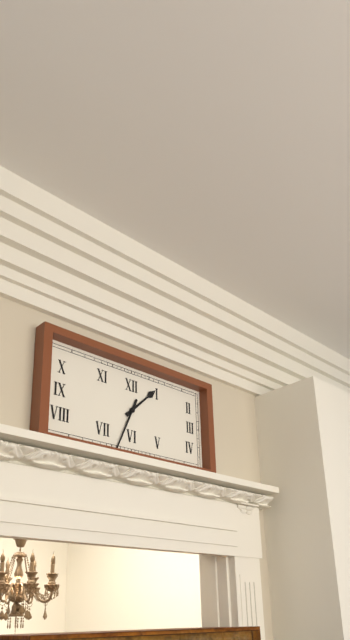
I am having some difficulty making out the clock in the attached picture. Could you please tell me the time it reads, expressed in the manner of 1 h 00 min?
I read 1 h 34 min
